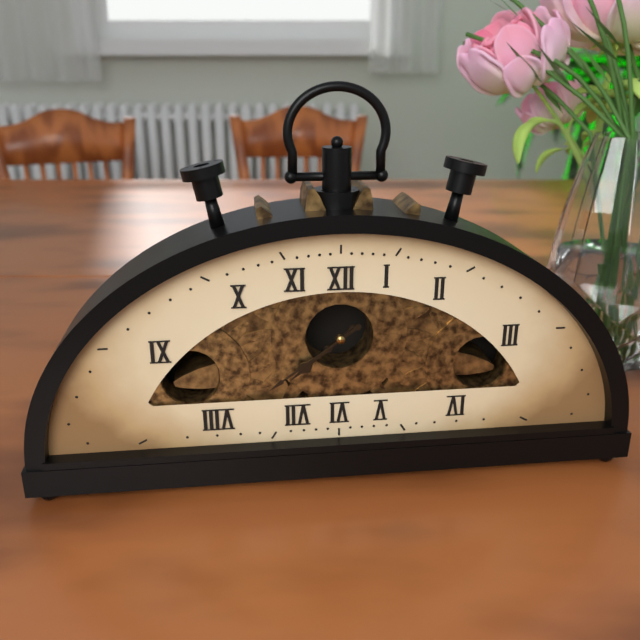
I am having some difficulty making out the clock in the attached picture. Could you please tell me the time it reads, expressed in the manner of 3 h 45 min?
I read 7 h 39 min
